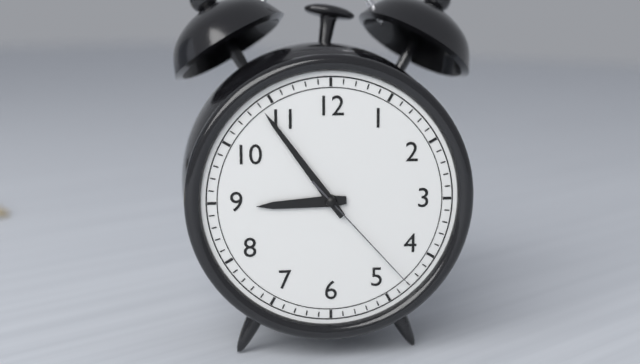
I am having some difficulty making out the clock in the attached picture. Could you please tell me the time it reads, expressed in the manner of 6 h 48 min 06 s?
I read 8 h 54 min 23 s
